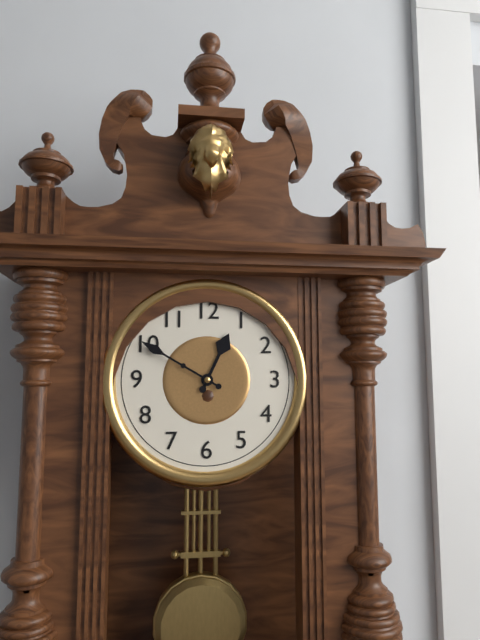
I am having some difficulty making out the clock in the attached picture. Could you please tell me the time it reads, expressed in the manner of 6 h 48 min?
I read 12 h 50 min
